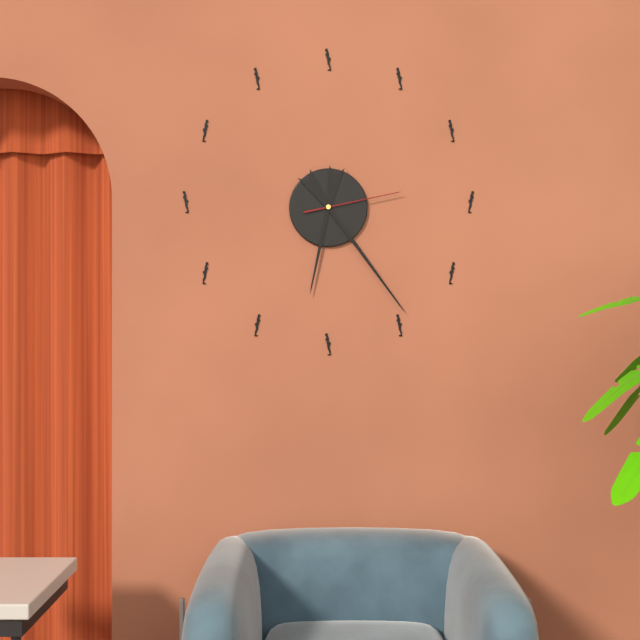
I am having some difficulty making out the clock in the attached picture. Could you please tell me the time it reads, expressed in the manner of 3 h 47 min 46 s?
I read 6 h 24 min 13 s
